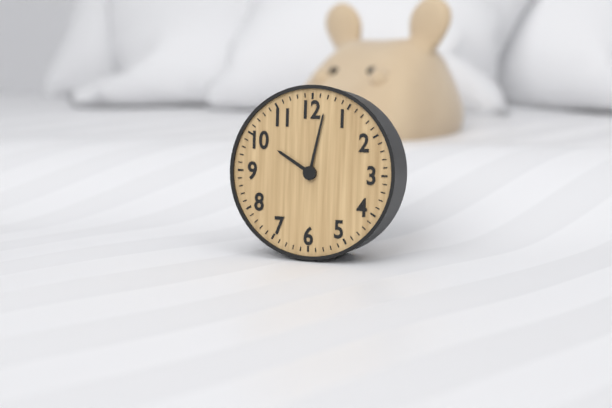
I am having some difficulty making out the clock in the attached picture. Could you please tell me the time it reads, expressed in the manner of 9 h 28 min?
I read 10 h 02 min
